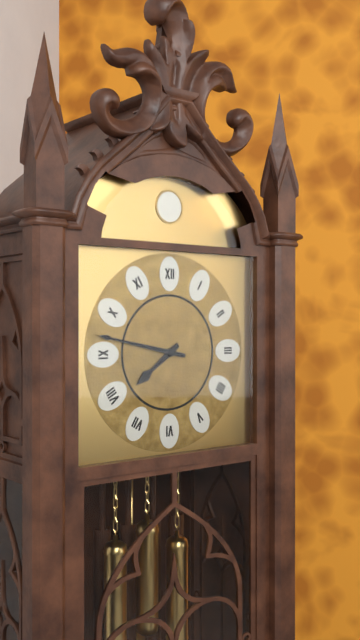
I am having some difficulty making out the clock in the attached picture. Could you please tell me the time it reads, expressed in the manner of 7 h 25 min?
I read 7 h 47 min
